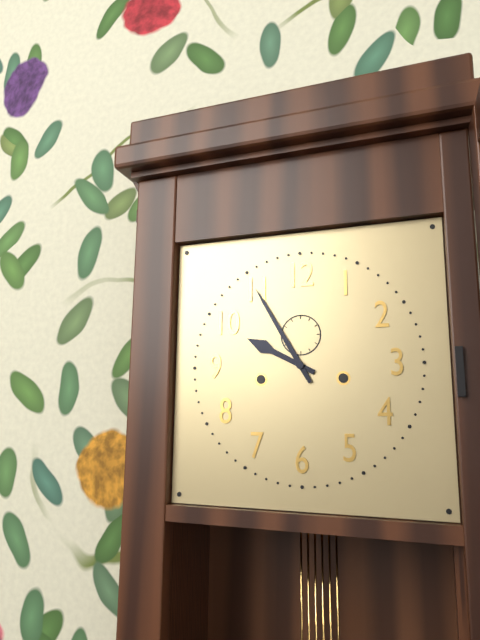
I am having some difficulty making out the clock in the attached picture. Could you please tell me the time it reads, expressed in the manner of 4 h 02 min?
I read 9 h 55 min
